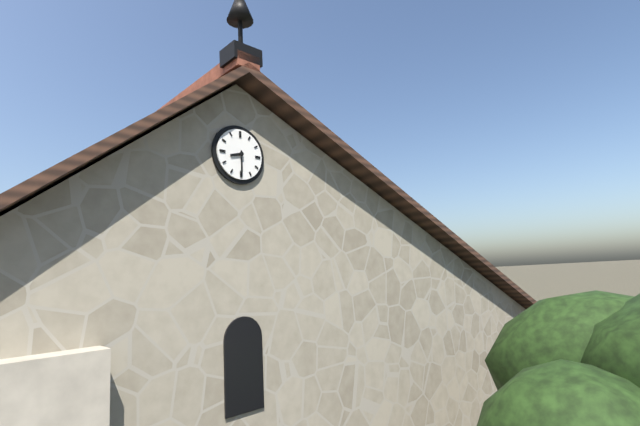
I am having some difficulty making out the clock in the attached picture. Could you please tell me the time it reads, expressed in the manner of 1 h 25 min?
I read 8 h 30 min
